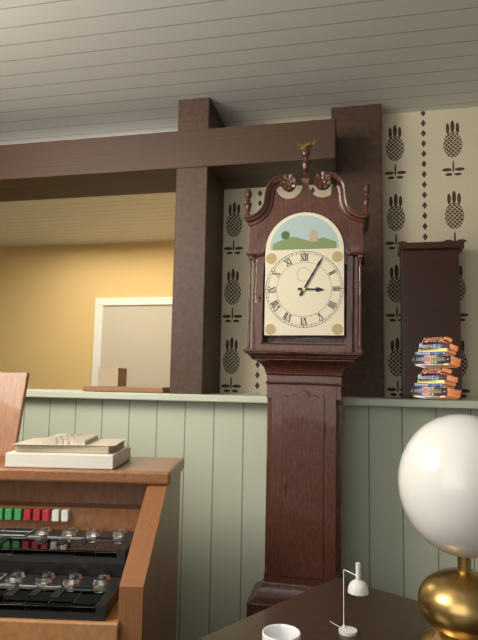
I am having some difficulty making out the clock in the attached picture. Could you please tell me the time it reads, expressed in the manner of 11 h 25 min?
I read 3 h 05 min
